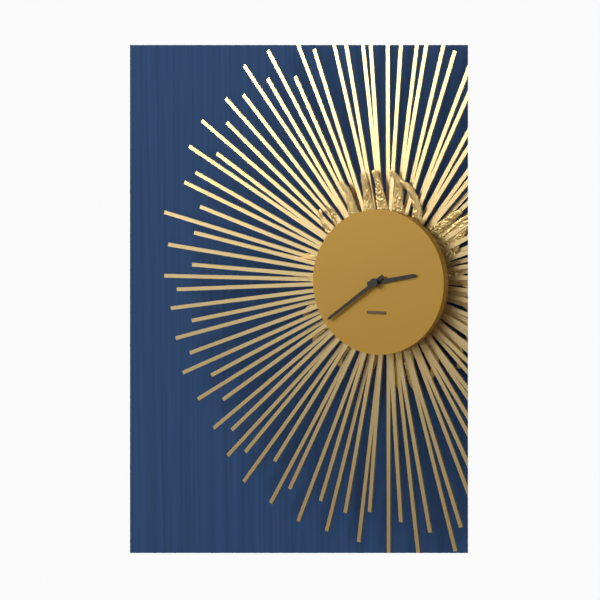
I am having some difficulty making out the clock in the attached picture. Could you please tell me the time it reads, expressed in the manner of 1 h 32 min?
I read 2 h 39 min
